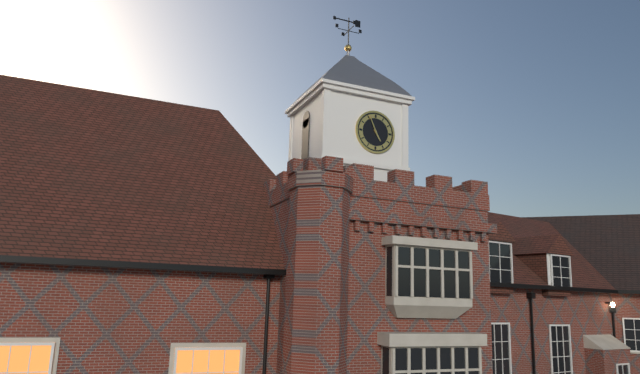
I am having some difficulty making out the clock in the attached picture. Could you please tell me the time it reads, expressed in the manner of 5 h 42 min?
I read 4 h 56 min
